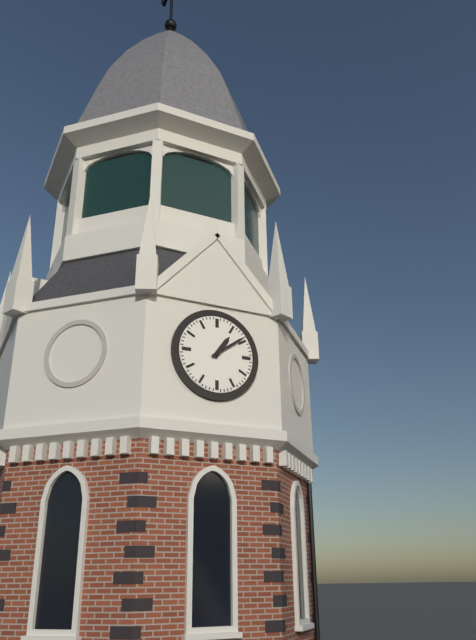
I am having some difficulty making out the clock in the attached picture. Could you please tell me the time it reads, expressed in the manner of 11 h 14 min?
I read 1 h 09 min
